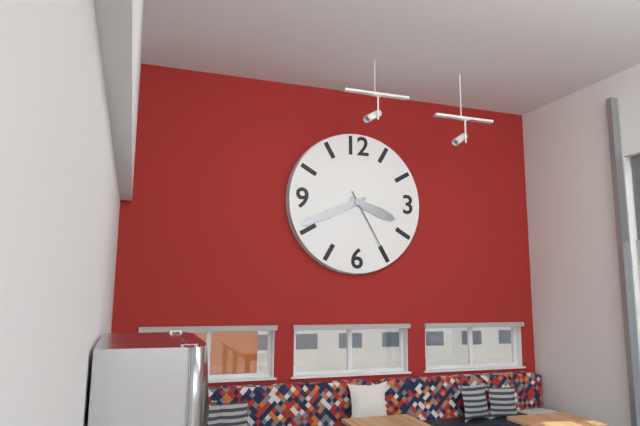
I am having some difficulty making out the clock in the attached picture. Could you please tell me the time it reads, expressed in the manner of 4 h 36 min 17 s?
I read 3 h 41 min 25 s
